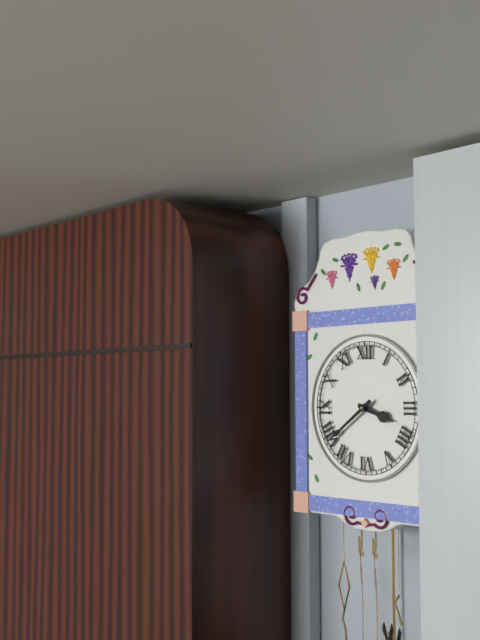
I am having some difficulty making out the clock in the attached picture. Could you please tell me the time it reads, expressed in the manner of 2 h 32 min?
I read 3 h 39 min
